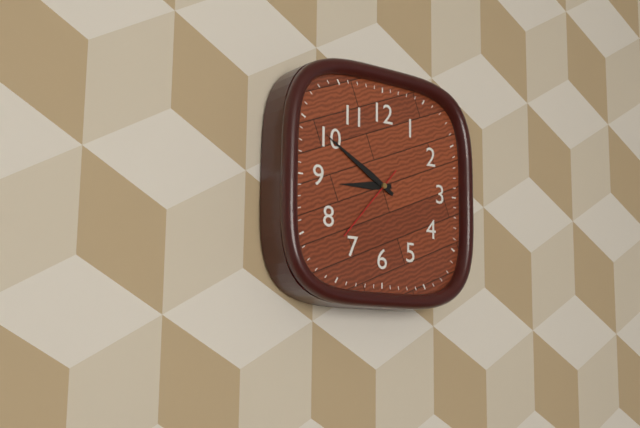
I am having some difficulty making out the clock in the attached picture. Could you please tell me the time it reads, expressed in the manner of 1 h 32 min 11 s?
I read 8 h 50 min 37 s
